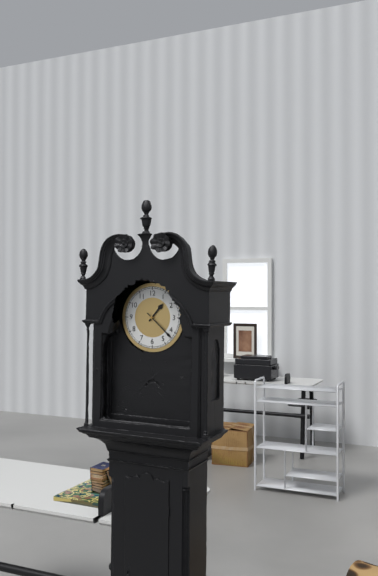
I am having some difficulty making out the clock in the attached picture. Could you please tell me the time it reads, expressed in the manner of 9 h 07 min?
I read 1 h 22 min
